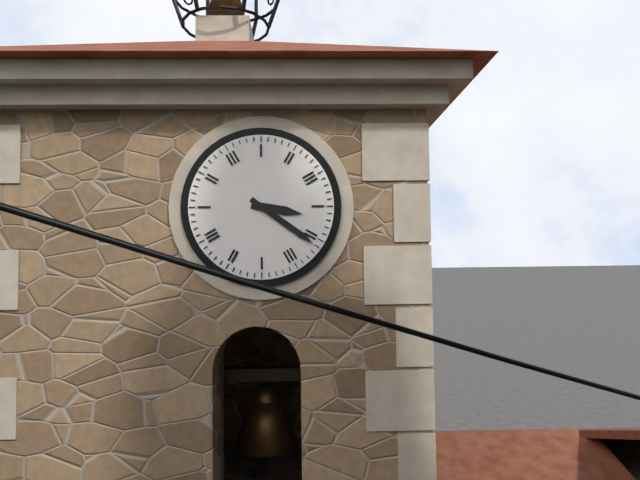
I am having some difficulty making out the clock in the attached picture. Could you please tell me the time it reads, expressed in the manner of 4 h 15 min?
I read 3 h 21 min
